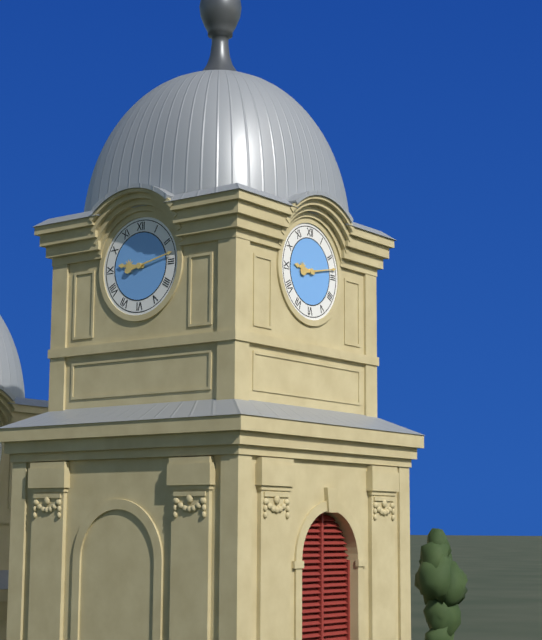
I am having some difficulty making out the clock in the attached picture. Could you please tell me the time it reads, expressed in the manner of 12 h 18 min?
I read 9 h 13 min
